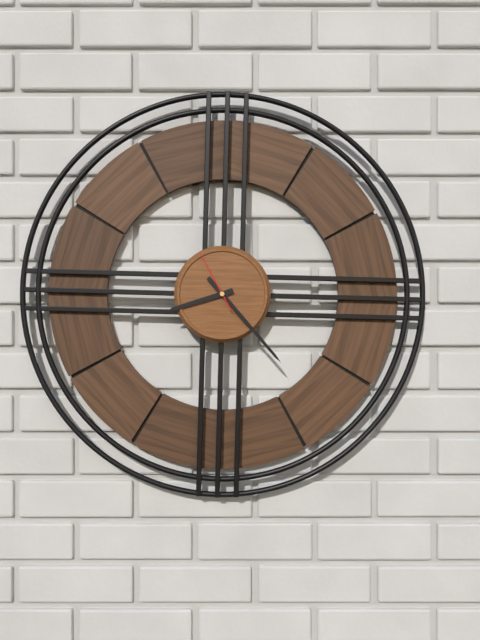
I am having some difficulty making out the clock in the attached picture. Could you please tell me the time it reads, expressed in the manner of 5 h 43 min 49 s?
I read 8 h 23 min 55 s
